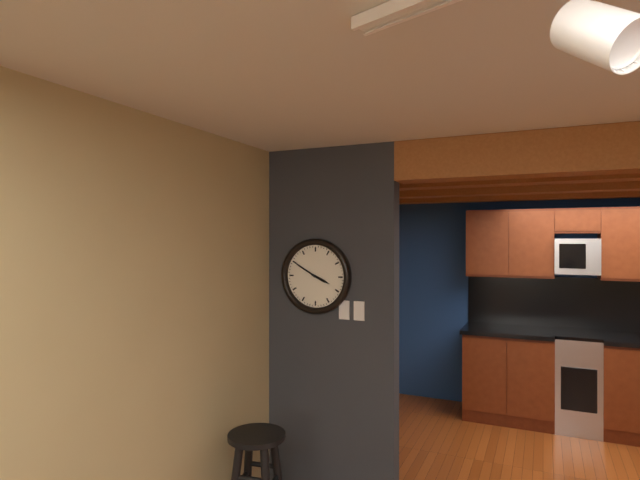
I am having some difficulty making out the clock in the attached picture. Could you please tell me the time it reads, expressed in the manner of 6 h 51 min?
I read 3 h 50 min
